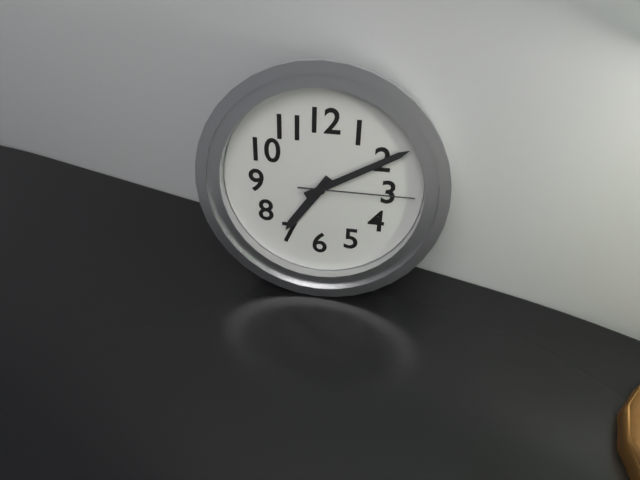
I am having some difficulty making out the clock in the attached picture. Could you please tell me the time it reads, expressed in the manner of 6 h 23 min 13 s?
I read 7 h 10 min 15 s
